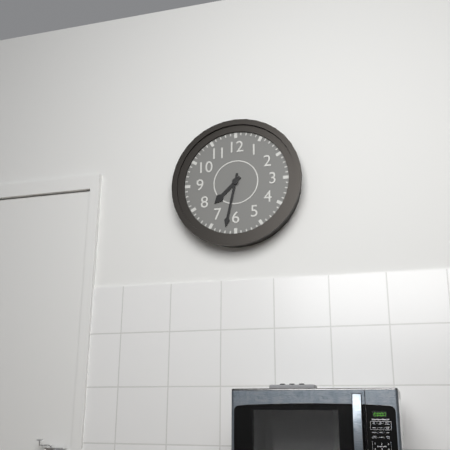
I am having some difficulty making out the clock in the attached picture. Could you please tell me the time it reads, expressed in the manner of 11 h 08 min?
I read 7 h 32 min
